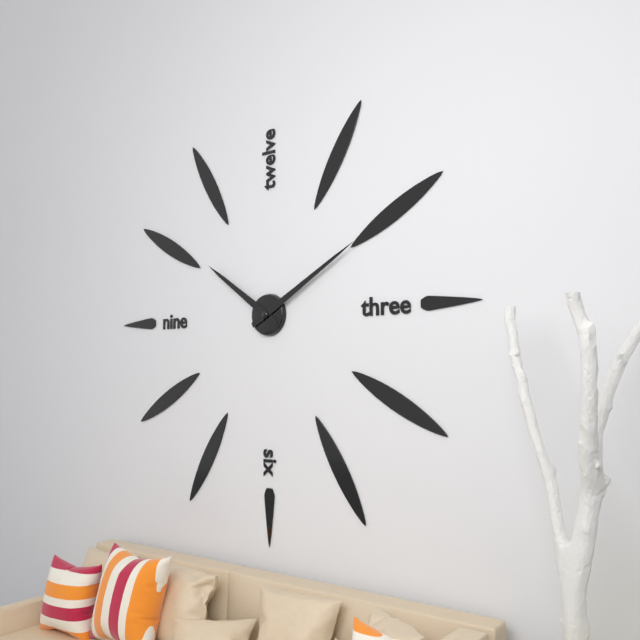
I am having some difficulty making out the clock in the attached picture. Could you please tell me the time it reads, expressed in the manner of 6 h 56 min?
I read 10 h 10 min
